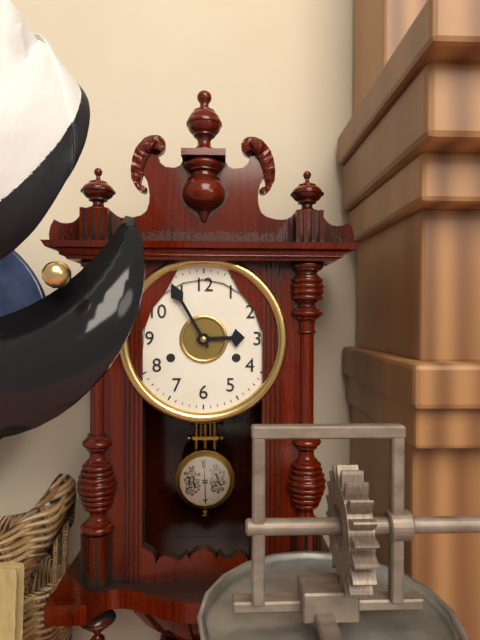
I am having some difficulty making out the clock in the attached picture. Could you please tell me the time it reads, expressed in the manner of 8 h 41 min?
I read 2 h 55 min
